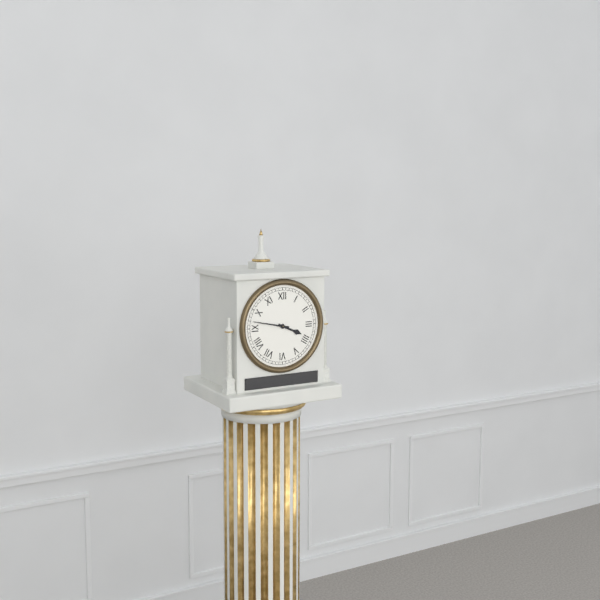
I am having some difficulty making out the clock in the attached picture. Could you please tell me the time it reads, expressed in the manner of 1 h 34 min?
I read 3 h 47 min
